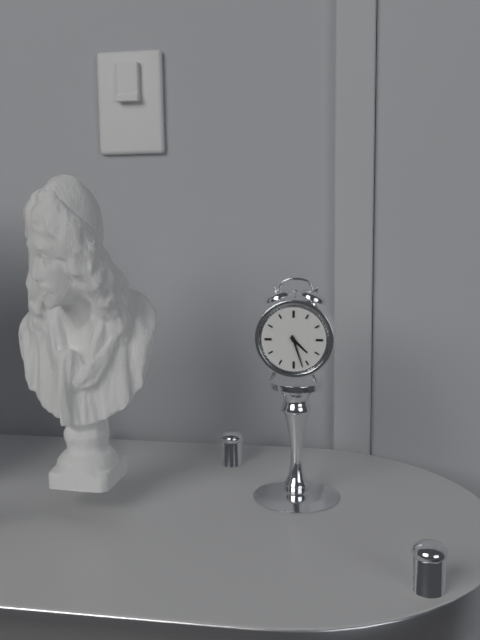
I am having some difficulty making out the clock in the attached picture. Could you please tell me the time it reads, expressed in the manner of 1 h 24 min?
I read 4 h 27 min
